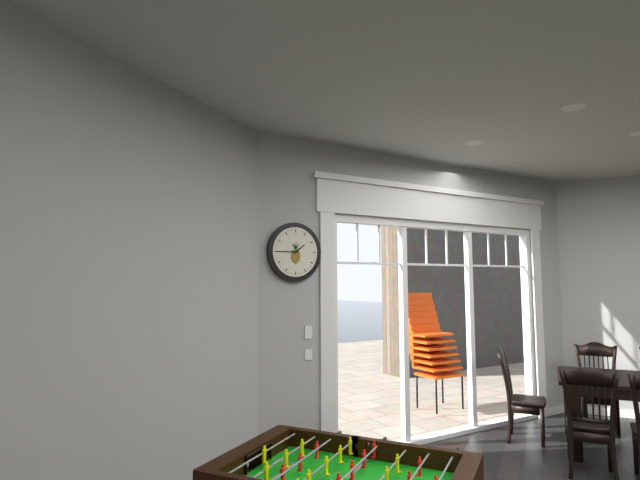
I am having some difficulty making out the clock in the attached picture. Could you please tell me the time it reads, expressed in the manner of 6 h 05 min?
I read 1 h 45 min
